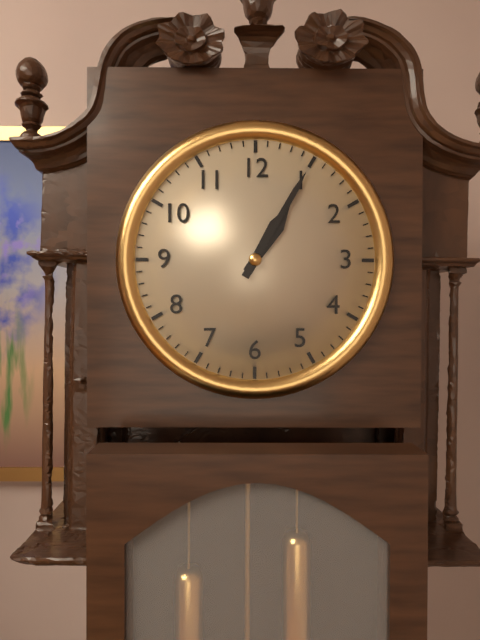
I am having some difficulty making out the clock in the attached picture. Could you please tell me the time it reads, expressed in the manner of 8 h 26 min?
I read 1 h 05 min
